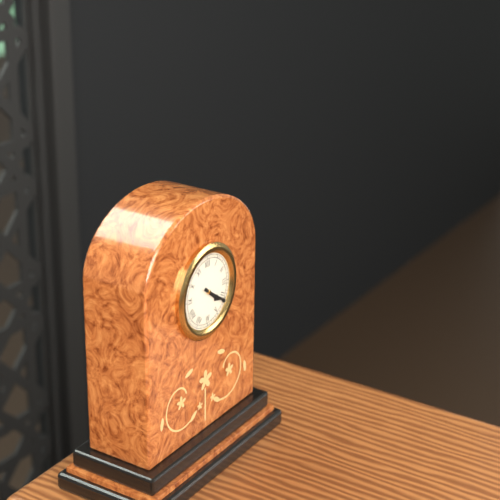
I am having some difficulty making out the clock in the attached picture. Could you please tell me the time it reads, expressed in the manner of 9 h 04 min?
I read 4 h 21 min
